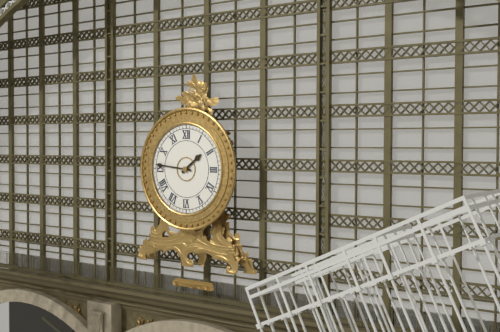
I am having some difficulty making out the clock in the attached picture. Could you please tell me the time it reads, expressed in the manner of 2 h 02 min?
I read 1 h 46 min
